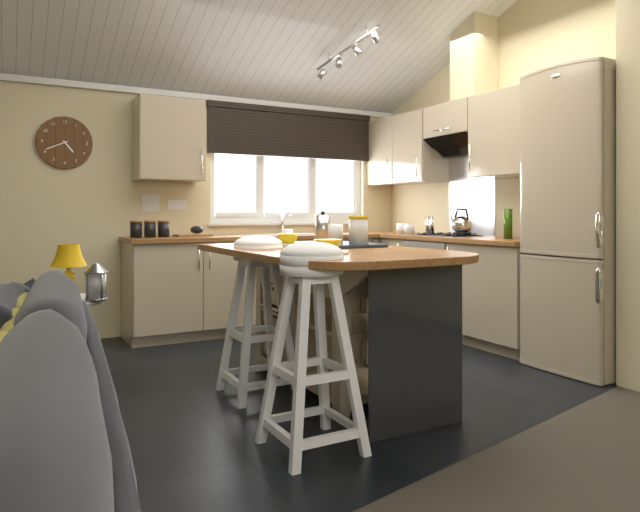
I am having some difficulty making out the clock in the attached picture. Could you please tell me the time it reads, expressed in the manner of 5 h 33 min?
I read 4 h 41 min
